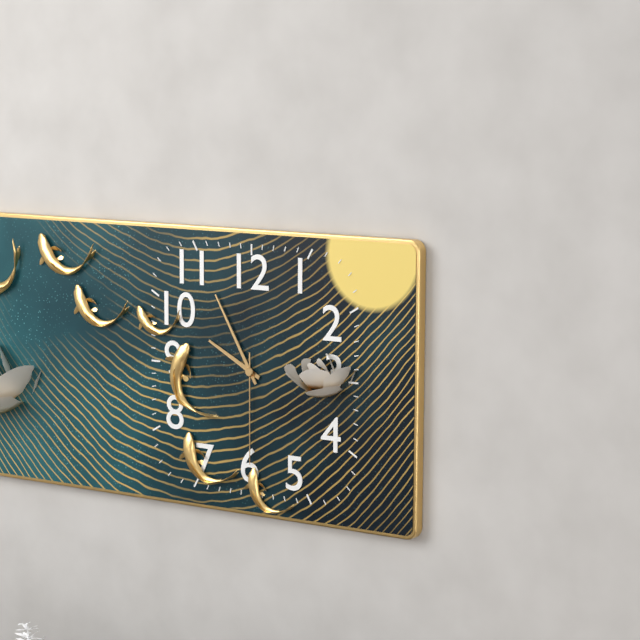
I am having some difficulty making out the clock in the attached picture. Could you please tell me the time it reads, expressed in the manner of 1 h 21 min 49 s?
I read 9 h 55 min 30 s
